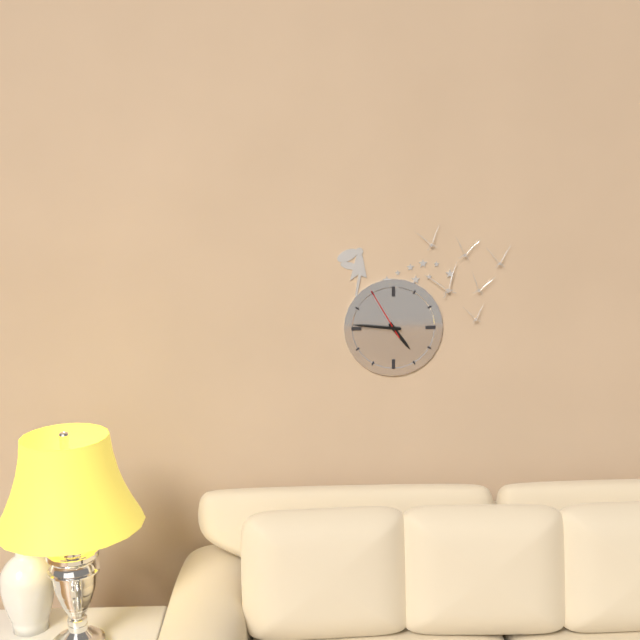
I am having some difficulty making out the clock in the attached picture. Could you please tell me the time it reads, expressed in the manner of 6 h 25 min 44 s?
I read 4 h 46 min 55 s
